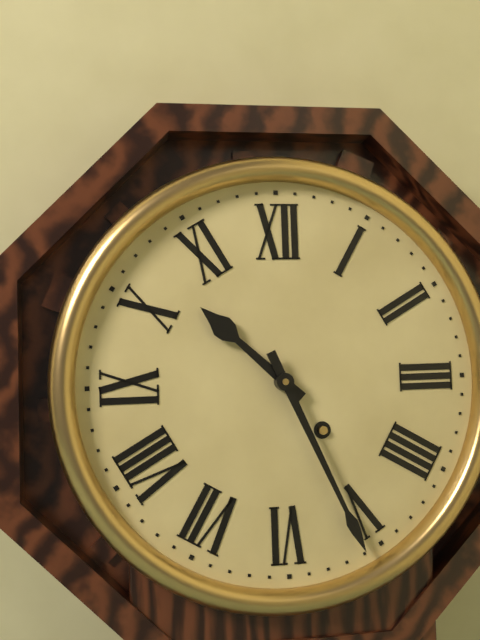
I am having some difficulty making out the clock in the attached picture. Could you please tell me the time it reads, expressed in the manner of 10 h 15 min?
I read 10 h 26 min
